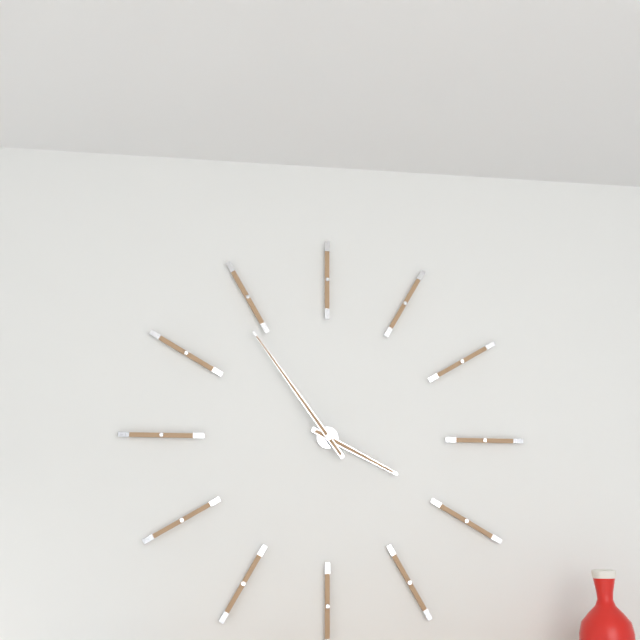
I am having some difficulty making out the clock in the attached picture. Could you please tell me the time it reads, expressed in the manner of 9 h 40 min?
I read 3 h 54 min
